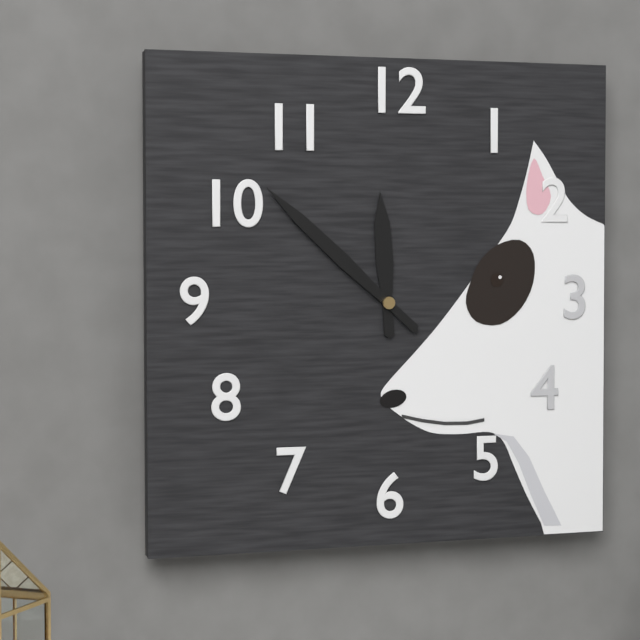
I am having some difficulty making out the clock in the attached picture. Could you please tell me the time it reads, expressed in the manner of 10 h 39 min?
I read 11 h 52 min
